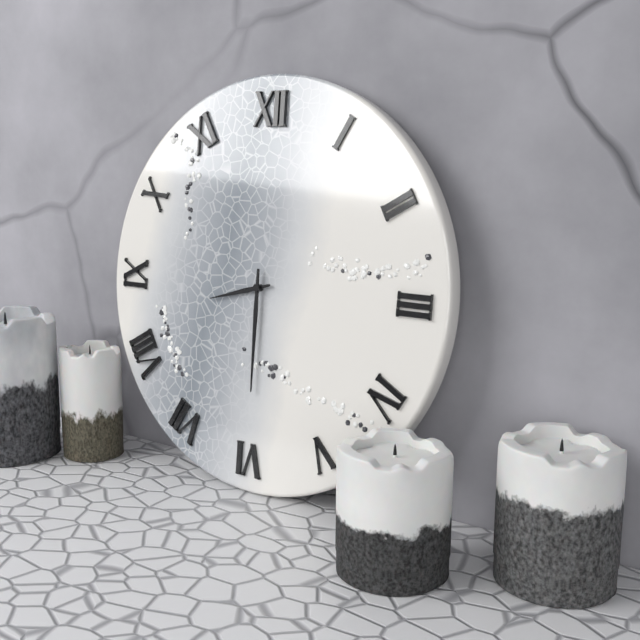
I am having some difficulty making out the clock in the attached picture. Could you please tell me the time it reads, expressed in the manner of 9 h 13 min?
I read 8 h 30 min
